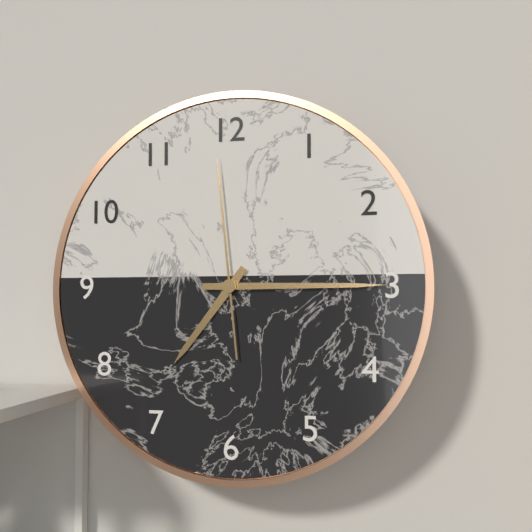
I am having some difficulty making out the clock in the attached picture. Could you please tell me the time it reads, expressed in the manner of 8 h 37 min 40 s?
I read 7 h 15 min 59 s
